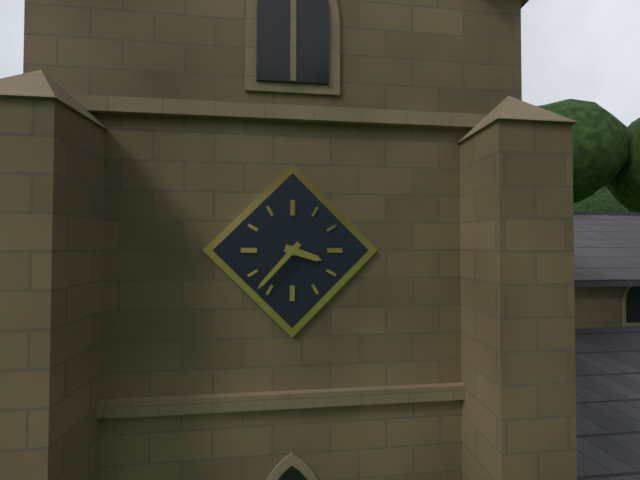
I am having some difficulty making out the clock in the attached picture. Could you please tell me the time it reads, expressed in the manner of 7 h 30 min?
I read 3 h 37 min
